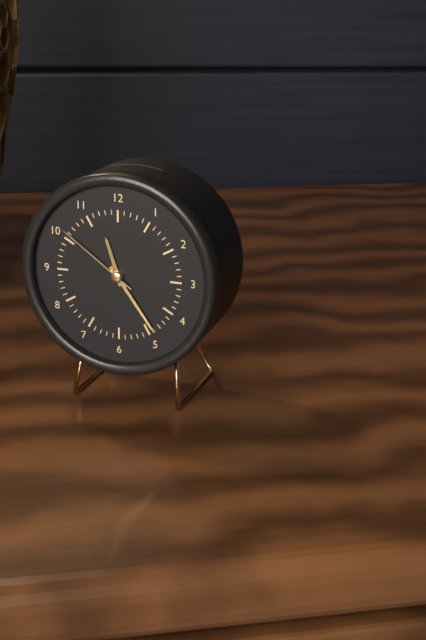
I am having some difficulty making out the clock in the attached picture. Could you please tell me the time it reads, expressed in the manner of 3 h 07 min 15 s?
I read 11 h 24 min 51 s
